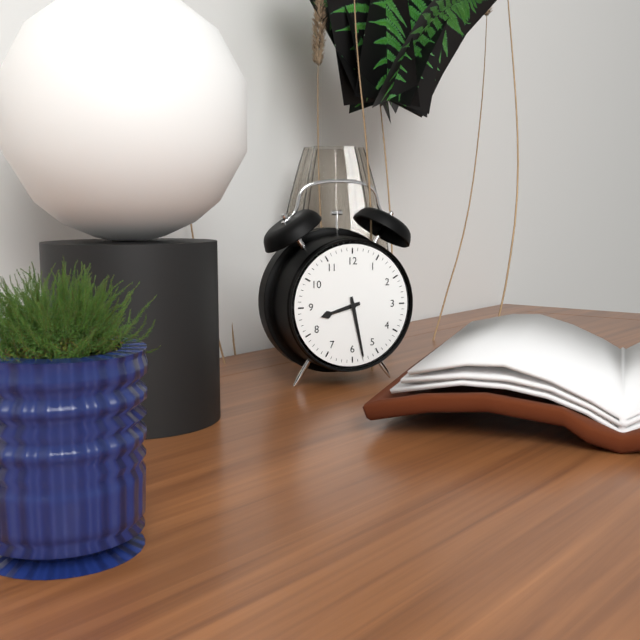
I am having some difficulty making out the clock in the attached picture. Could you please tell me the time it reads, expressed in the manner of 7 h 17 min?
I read 8 h 28 min
